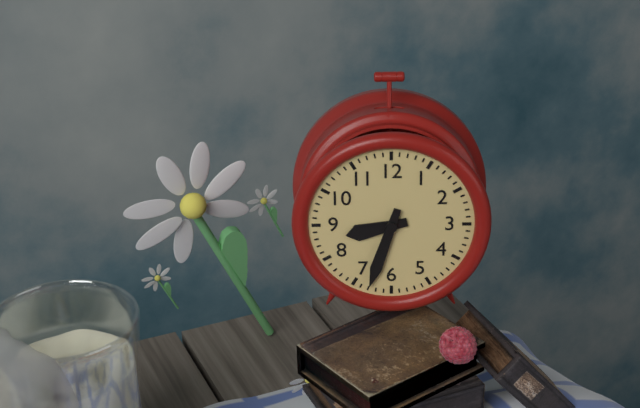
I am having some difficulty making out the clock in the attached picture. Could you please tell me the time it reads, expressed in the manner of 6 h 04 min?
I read 8 h 33 min
